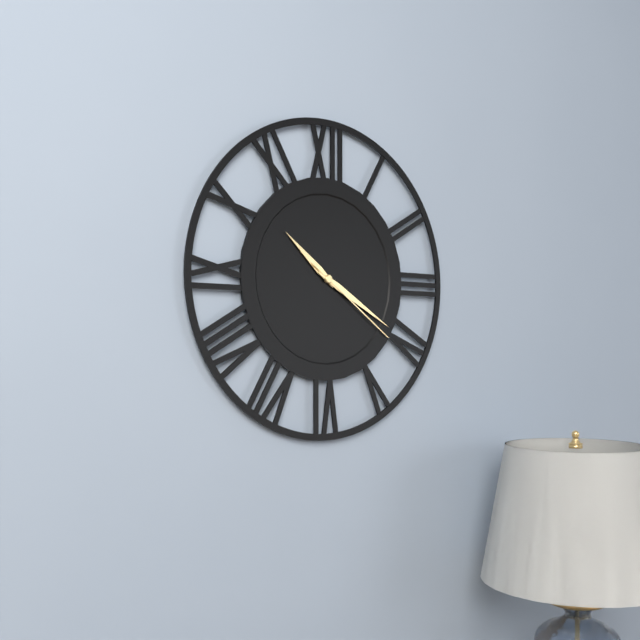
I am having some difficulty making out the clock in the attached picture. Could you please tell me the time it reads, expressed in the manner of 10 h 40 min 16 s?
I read 10 h 20 min 21 s
